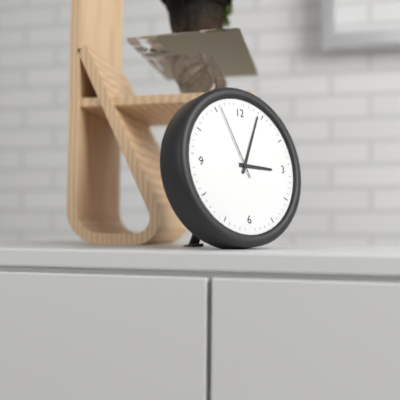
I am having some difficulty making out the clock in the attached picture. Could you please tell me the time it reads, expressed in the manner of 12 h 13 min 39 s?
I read 3 h 04 min 56 s
